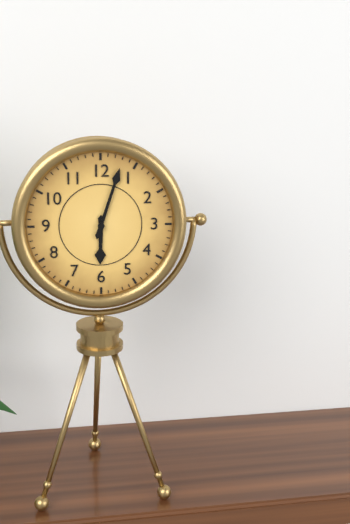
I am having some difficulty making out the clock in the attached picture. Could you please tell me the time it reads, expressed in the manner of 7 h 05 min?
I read 6 h 03 min
